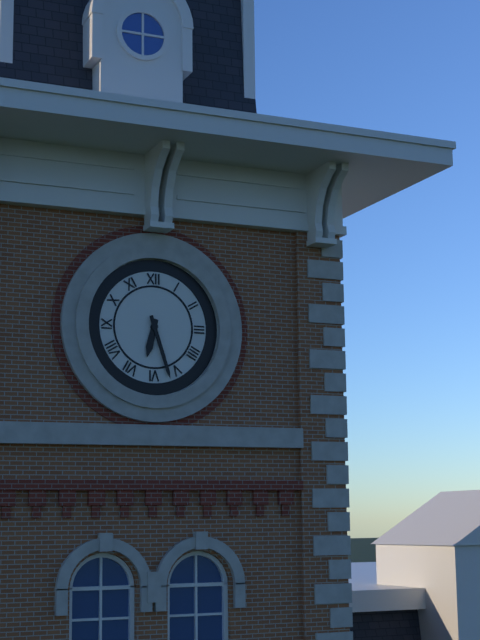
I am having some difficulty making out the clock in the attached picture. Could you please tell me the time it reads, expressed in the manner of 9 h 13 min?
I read 6 h 27 min
